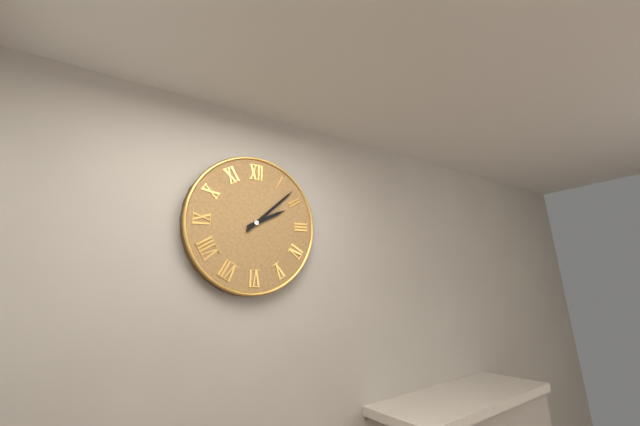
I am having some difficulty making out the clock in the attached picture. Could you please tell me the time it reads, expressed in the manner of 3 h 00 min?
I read 2 h 08 min
